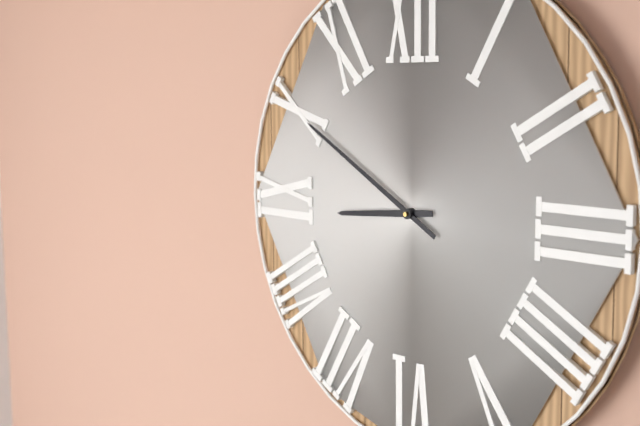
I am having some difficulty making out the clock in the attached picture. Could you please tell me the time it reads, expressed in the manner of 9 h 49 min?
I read 8 h 50 min
